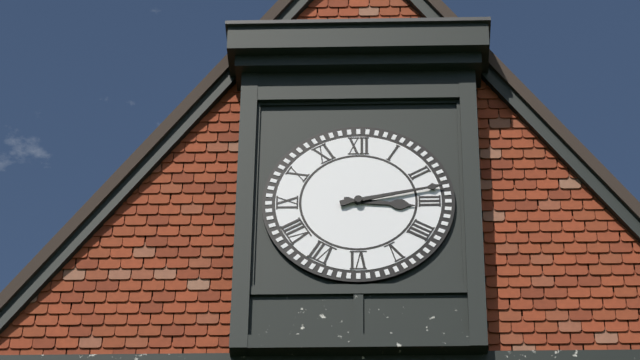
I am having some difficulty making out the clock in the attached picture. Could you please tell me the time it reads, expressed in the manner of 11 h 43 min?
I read 3 h 13 min
